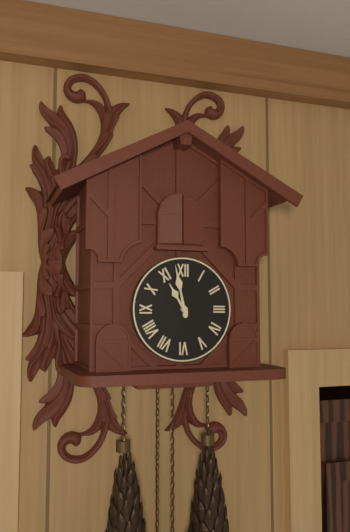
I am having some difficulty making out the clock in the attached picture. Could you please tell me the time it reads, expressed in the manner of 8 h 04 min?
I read 10 h 58 min
